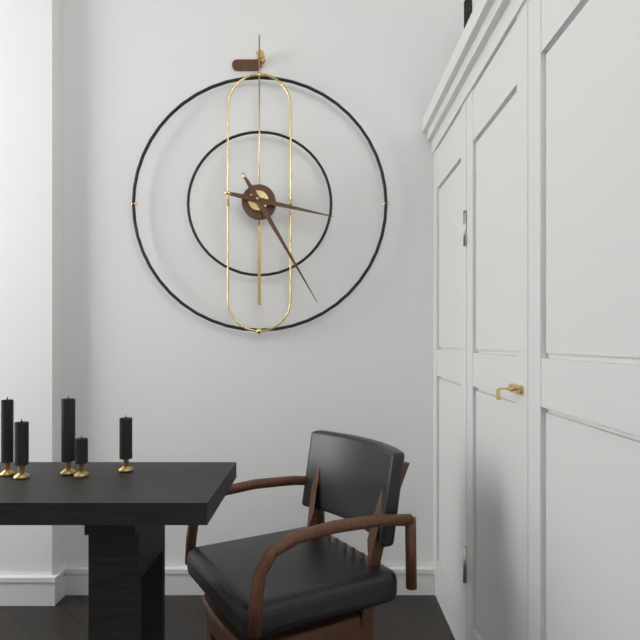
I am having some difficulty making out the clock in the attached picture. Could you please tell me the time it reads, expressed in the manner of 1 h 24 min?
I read 3 h 25 min
